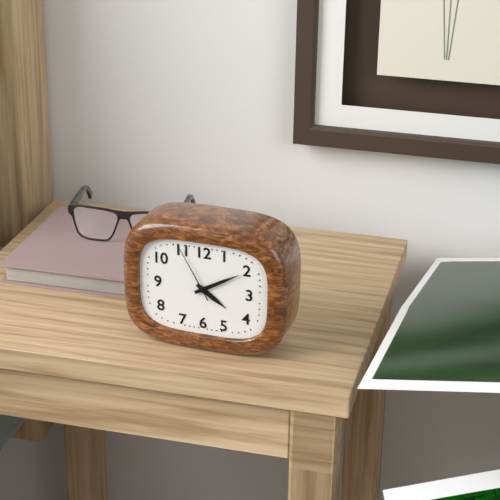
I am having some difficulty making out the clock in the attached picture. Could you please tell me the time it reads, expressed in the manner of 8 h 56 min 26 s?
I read 4 h 10 min 55 s
